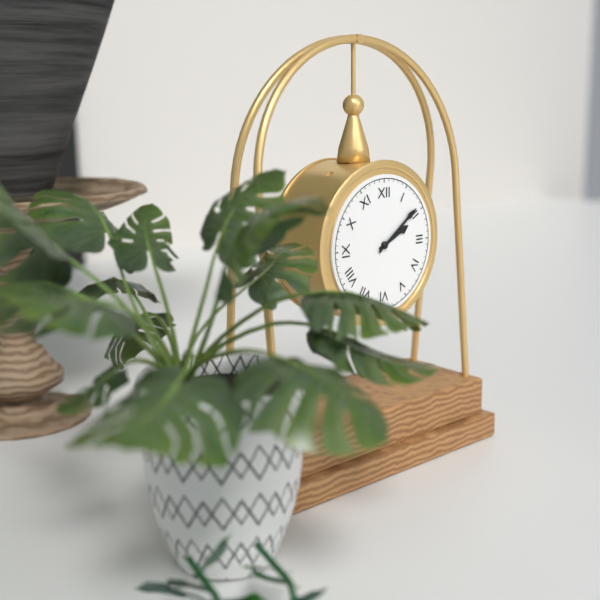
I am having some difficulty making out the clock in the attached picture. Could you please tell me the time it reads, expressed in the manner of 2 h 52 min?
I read 2 h 09 min
